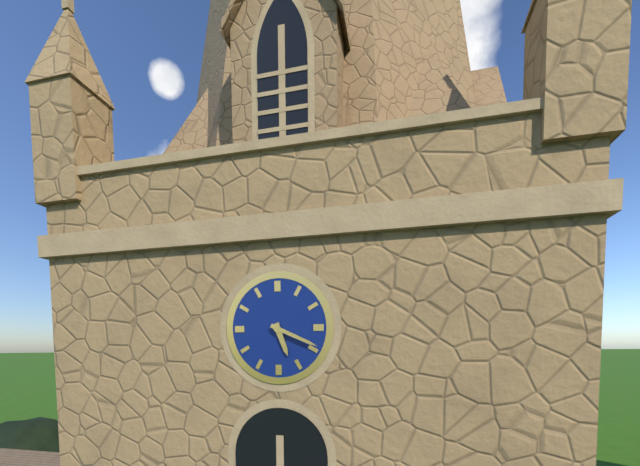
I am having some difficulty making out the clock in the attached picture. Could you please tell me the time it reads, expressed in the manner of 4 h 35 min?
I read 5 h 19 min
